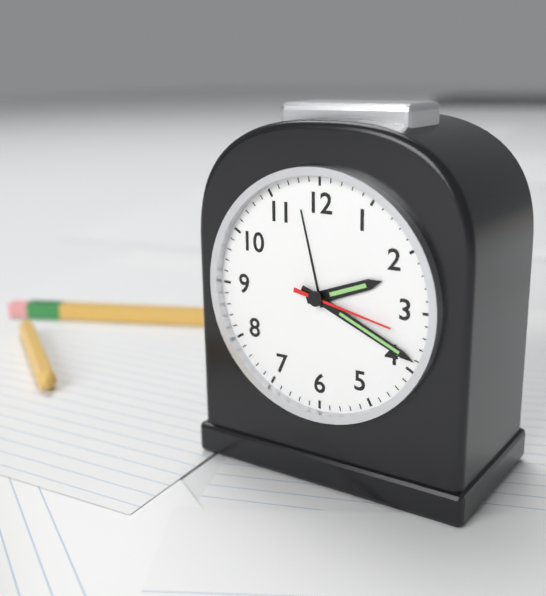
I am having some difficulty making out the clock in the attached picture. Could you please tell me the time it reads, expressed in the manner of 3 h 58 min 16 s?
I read 2 h 19 min 17 s
